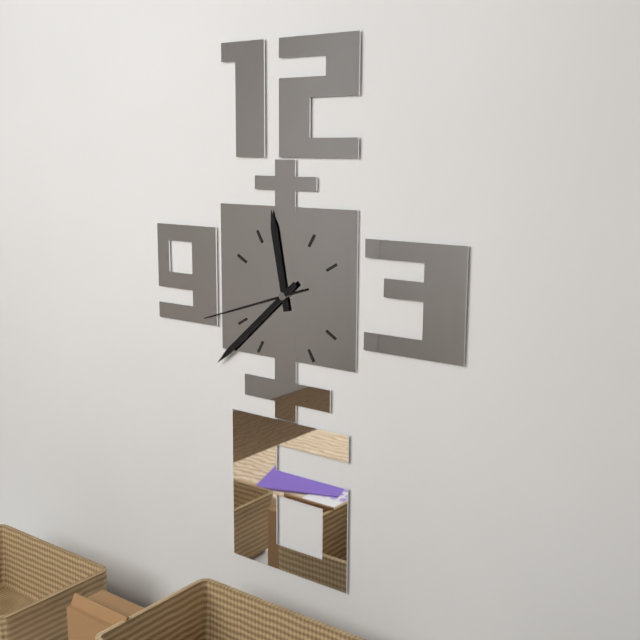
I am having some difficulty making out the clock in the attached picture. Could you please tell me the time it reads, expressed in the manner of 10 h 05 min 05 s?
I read 11 h 38 min 42 s
